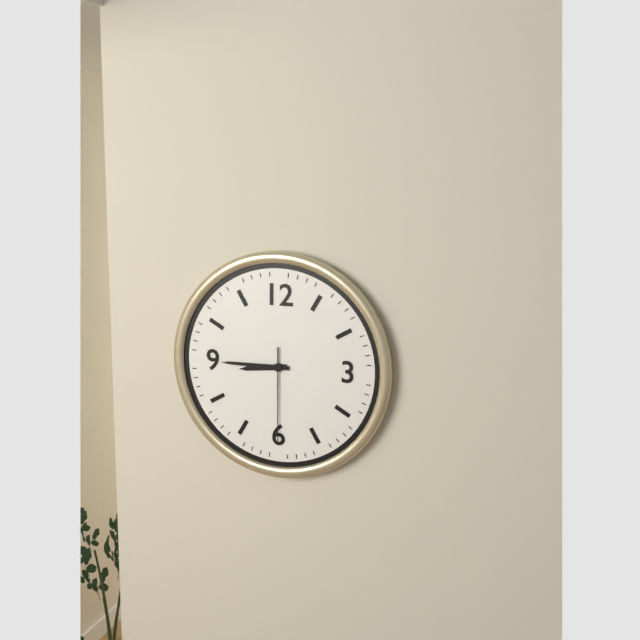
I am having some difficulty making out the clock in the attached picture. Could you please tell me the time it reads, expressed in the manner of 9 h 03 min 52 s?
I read 8 h 45 min 30 s
